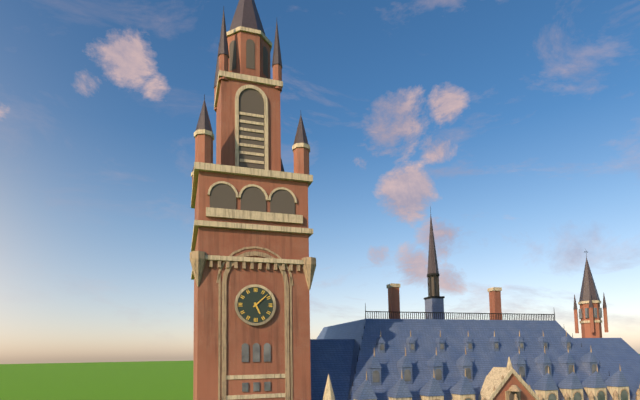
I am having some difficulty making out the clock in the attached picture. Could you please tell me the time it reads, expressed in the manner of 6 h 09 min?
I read 5 h 08 min
